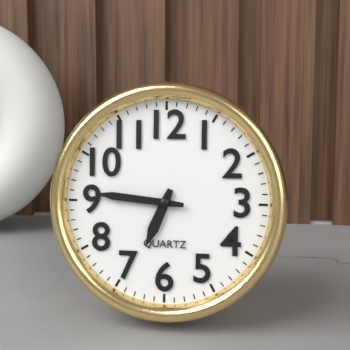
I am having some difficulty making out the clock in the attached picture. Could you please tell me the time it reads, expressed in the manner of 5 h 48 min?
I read 6 h 46 min
